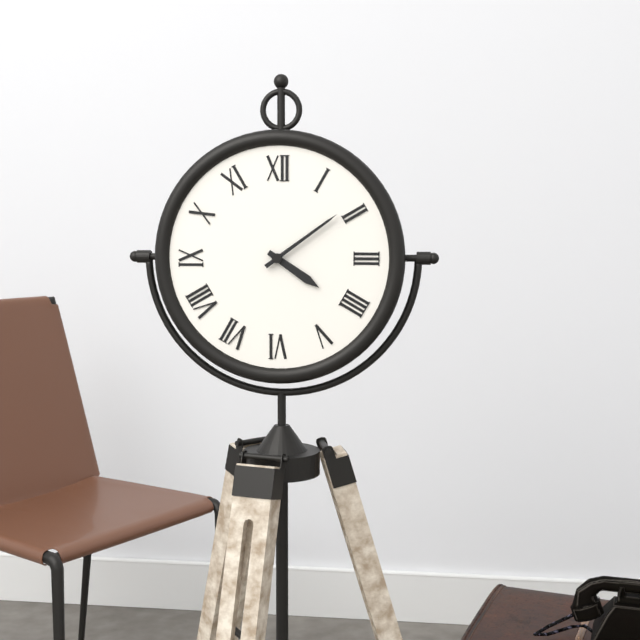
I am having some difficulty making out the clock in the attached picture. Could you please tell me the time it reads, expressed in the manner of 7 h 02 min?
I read 4 h 09 min
